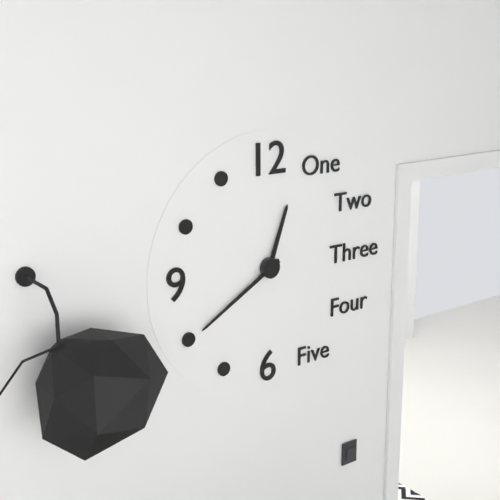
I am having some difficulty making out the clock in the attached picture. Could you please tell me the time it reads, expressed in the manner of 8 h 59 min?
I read 12 h 40 min
